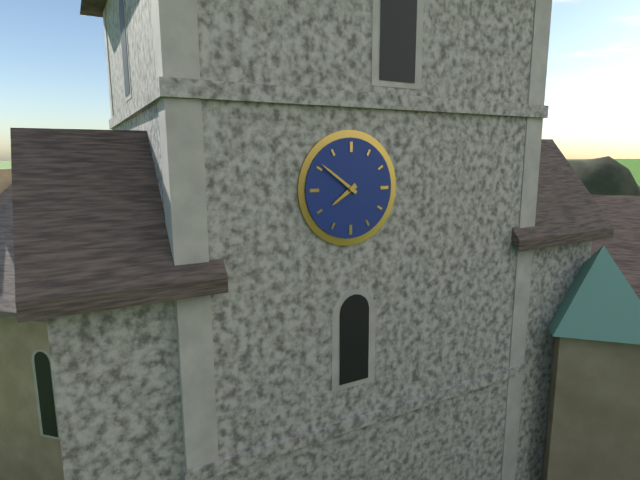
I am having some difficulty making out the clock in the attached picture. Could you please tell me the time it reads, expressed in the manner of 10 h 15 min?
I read 7 h 51 min
